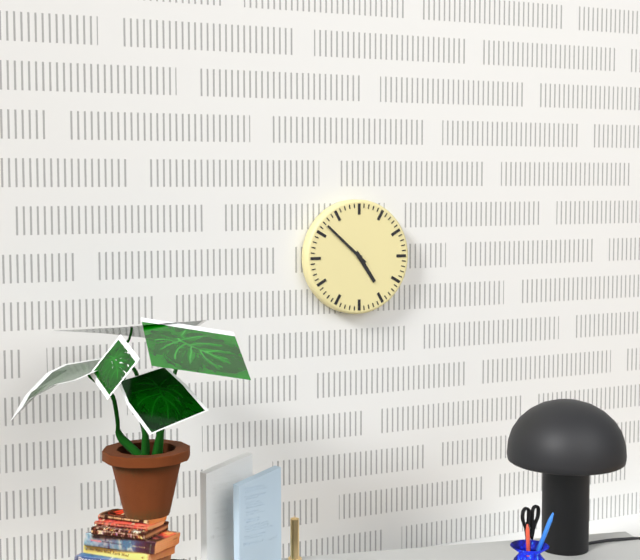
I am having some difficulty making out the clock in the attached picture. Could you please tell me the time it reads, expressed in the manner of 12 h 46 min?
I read 4 h 52 min
